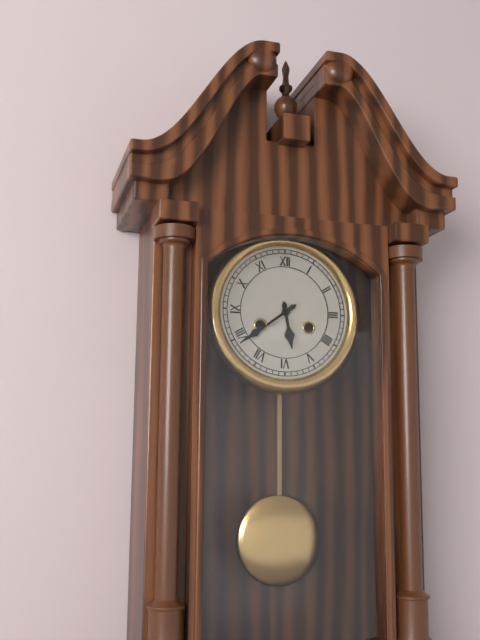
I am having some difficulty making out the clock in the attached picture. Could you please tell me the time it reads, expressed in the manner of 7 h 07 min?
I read 5 h 39 min
